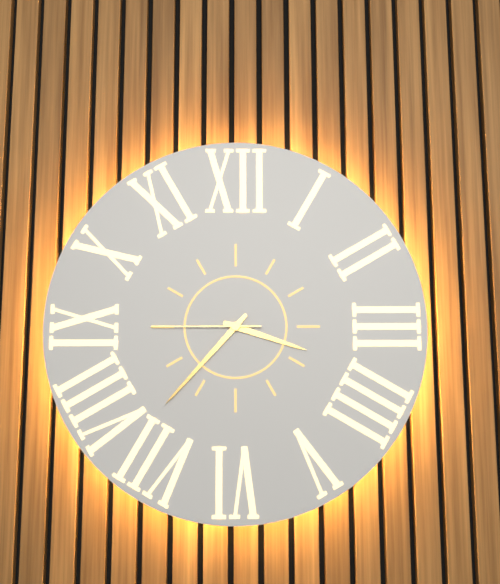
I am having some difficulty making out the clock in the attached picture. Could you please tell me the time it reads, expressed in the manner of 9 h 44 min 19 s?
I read 3 h 37 min 45 s
